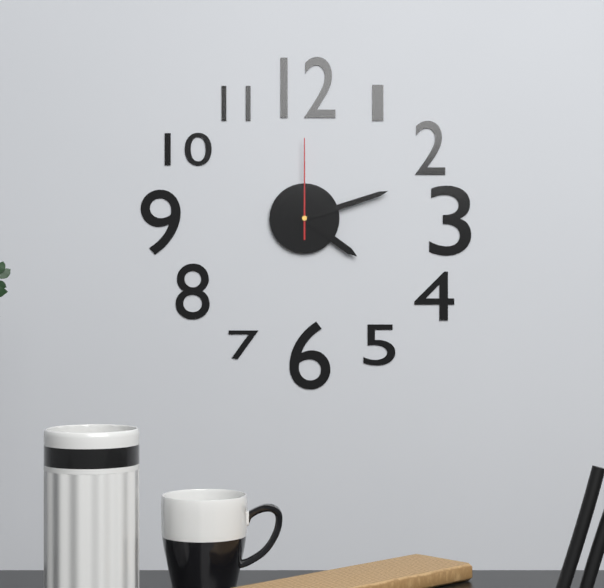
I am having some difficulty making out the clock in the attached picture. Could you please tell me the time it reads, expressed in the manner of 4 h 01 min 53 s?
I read 4 h 12 min 00 s
